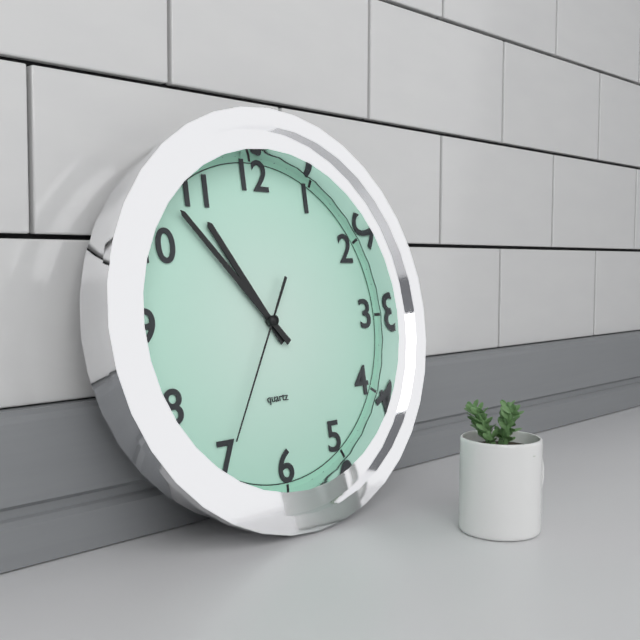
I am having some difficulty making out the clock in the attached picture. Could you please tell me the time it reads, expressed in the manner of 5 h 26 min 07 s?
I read 10 h 53 min 35 s
